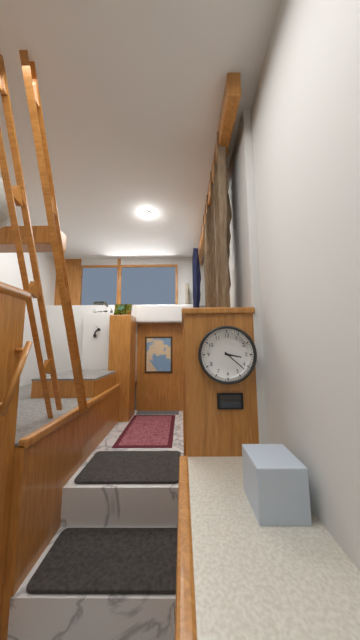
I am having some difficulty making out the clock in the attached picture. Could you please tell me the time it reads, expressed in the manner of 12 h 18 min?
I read 3 h 22 min
